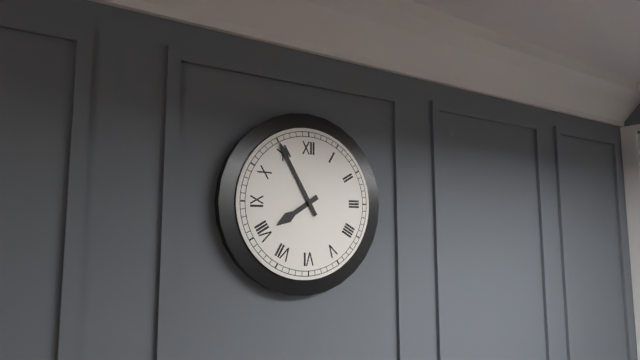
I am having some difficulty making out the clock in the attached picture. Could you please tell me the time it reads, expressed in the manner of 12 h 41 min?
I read 7 h 55 min
